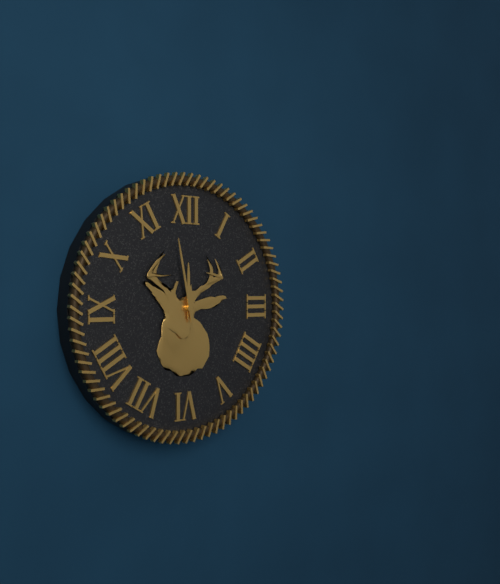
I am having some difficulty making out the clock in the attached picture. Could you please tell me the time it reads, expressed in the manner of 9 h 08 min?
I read 11 h 58 min
